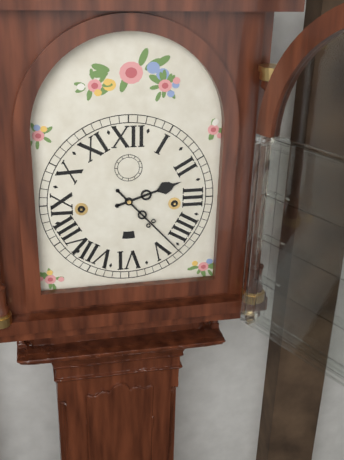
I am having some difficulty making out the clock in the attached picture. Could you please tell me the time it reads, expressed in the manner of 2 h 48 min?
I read 2 h 23 min
